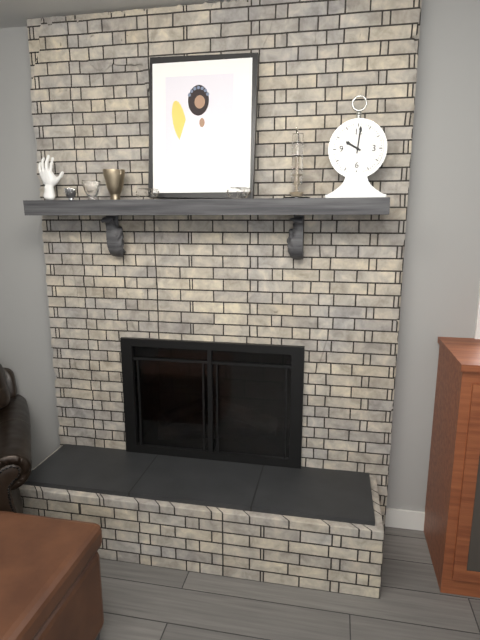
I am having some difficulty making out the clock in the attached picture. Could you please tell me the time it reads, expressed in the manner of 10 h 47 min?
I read 10 h 01 min
